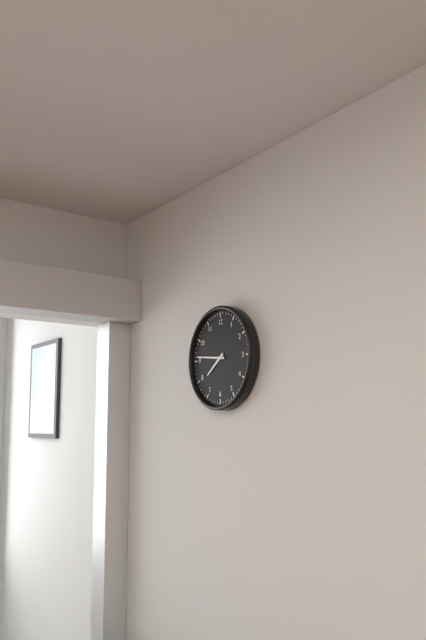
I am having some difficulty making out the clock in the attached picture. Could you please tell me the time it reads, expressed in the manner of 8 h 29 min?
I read 7 h 46 min
